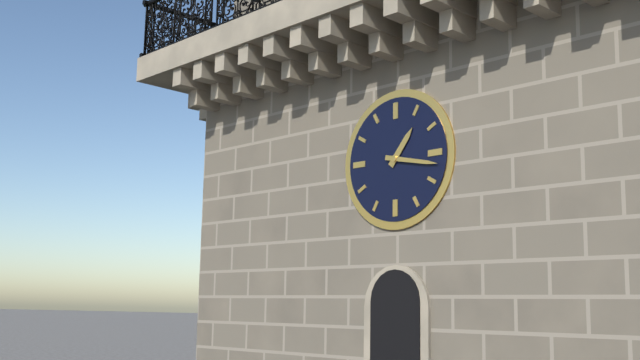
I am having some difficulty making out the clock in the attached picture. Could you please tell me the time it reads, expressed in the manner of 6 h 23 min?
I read 1 h 17 min
